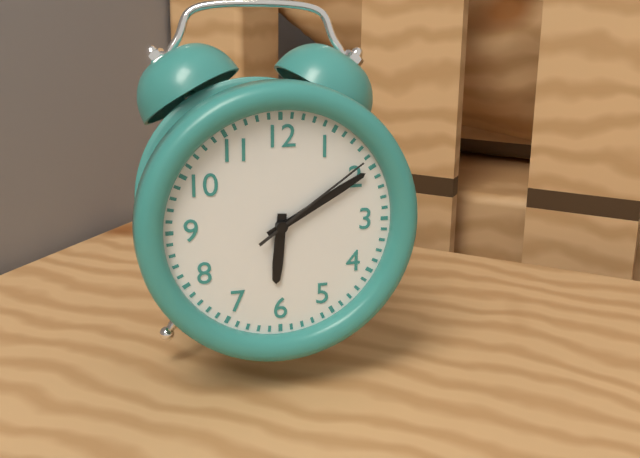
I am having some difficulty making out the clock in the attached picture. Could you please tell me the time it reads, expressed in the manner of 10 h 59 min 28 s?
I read 6 h 10 min 09 s
